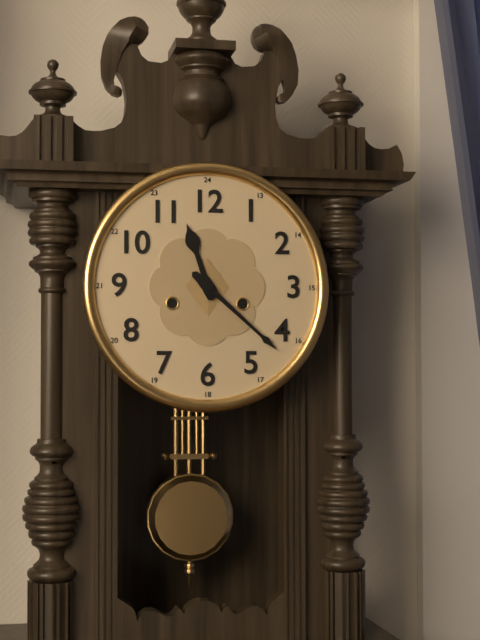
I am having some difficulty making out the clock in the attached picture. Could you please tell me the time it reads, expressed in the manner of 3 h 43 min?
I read 11 h 22 min
